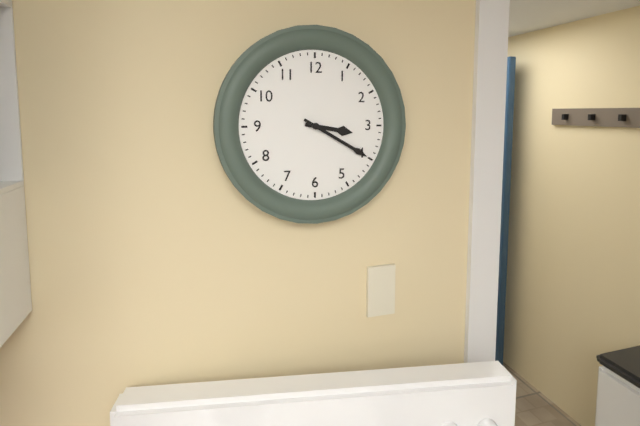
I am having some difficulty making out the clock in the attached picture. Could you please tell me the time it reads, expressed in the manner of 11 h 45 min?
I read 3 h 20 min
